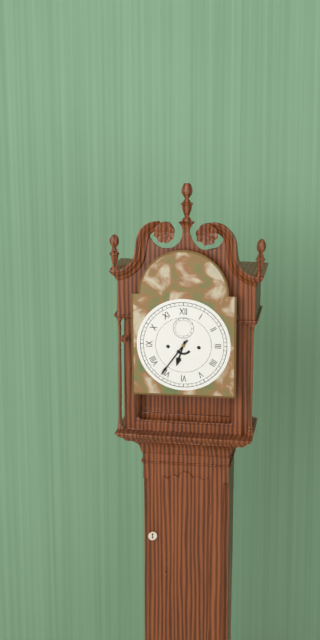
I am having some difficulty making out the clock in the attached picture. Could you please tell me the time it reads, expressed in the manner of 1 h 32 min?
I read 6 h 36 min
